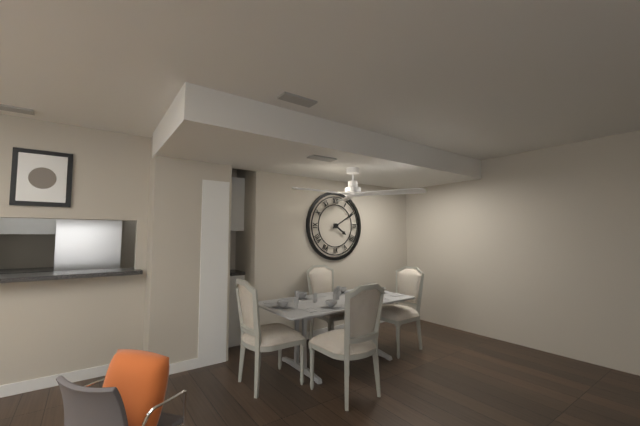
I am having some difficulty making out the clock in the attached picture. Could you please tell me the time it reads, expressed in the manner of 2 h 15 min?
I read 4 h 10 min
